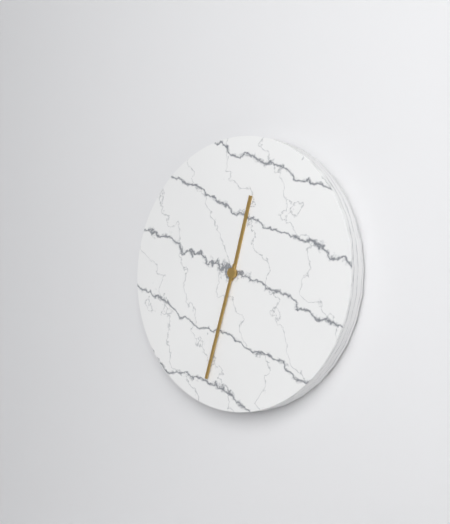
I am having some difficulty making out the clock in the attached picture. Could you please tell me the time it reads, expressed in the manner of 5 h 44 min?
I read 12 h 33 min
